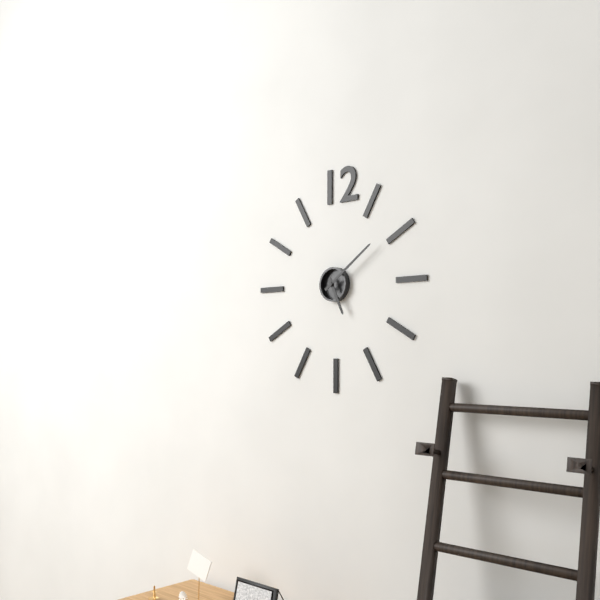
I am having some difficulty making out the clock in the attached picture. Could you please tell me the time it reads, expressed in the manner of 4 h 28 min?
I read 5 h 09 min
